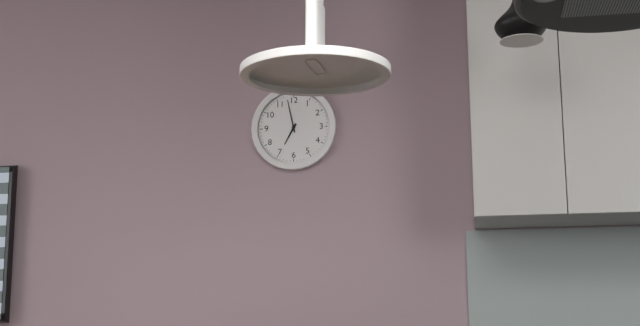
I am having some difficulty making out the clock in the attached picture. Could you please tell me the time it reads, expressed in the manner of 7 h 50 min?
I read 6 h 58 min
